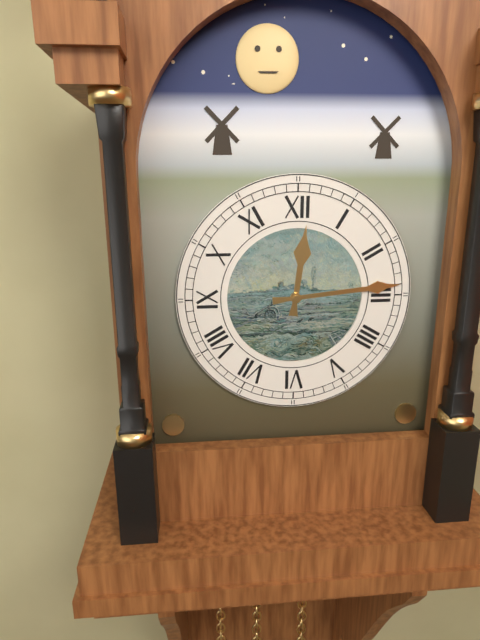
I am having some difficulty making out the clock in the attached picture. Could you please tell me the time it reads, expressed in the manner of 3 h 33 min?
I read 12 h 14 min
